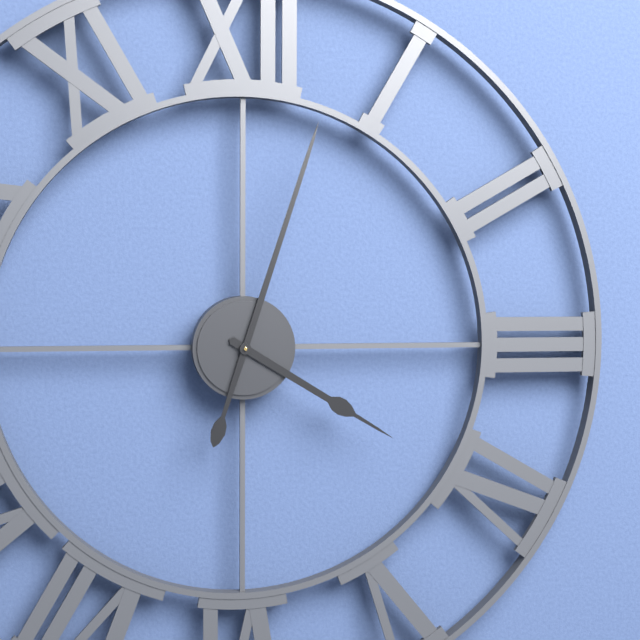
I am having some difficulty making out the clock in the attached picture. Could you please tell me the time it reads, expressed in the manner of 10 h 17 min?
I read 4 h 03 min
